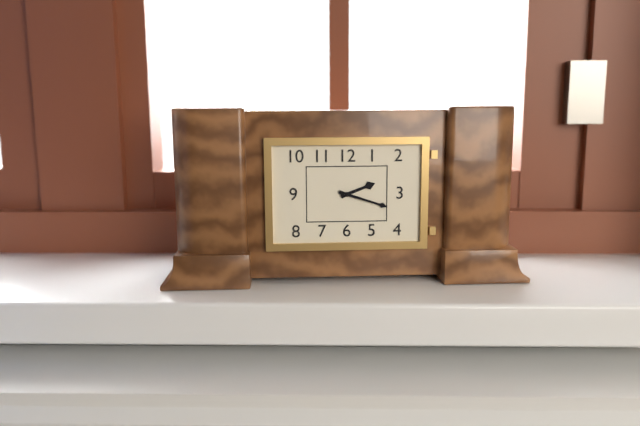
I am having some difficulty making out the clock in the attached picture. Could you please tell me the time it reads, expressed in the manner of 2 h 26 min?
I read 2 h 18 min
